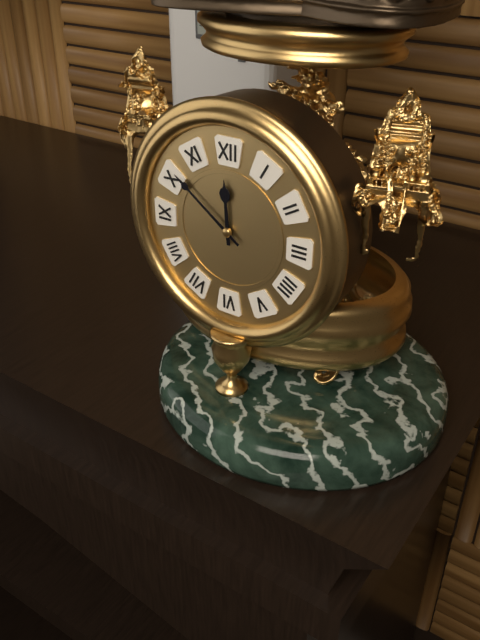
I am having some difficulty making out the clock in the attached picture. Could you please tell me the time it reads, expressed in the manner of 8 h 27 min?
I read 11 h 51 min
